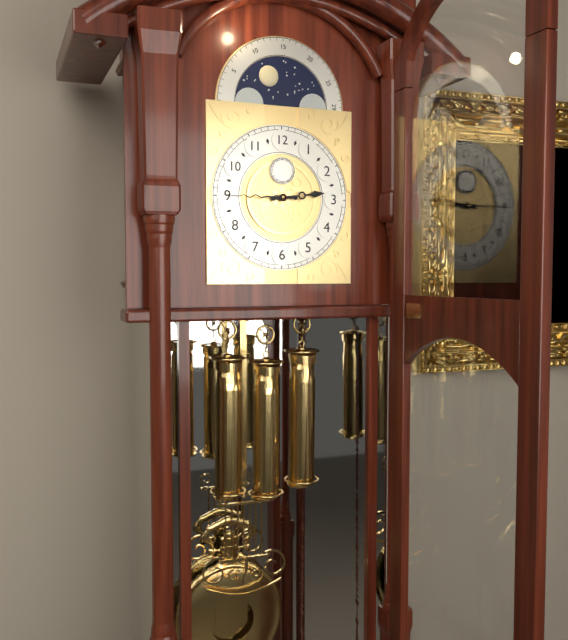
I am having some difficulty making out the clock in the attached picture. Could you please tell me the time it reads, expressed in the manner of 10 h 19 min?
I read 2 h 45 min
